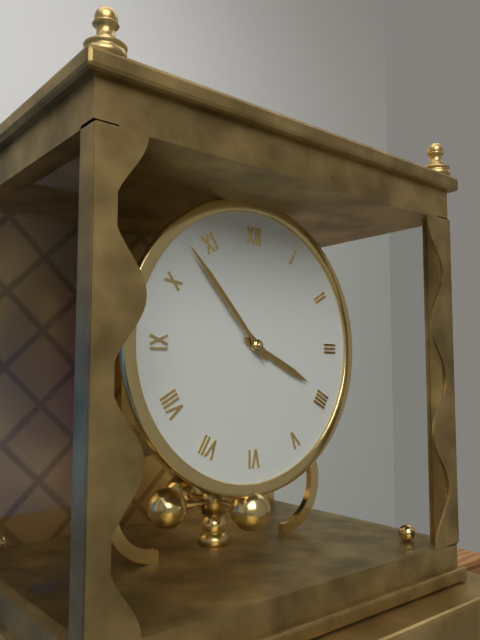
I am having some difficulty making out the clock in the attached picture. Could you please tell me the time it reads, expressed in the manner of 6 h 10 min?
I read 3 h 53 min
